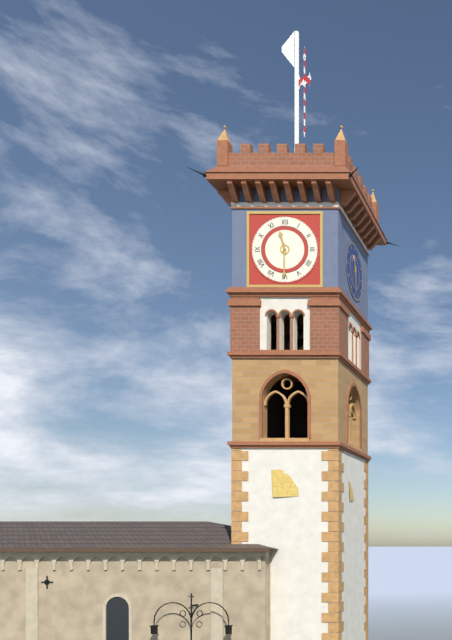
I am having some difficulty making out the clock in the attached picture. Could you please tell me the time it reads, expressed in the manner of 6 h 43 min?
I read 11 h 30 min
